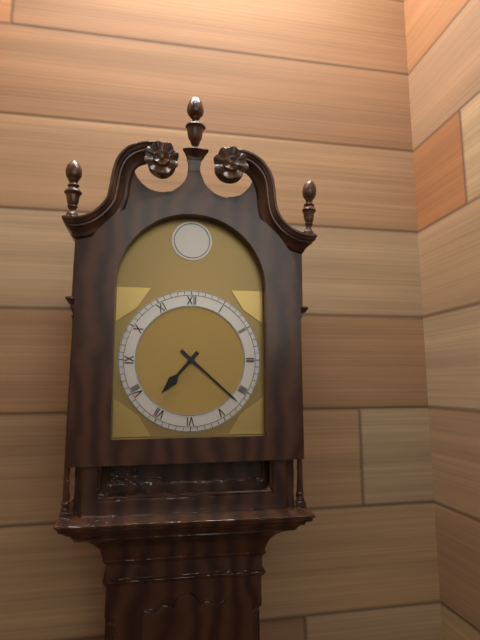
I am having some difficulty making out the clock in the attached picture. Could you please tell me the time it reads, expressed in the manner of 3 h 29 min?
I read 7 h 22 min
